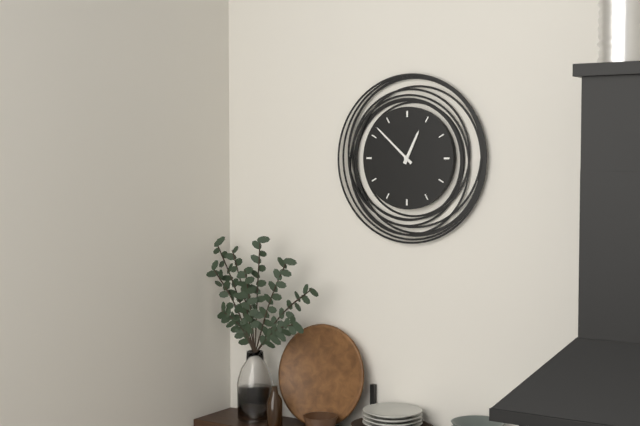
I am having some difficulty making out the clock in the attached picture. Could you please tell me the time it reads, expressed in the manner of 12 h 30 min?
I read 12 h 52 min
